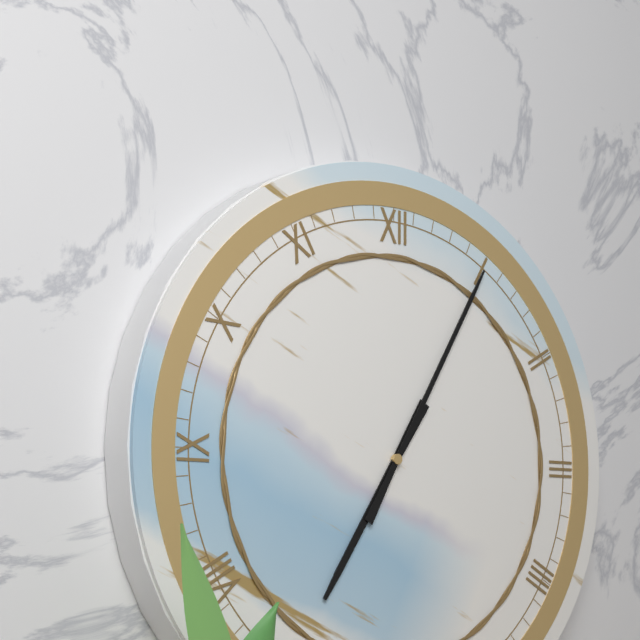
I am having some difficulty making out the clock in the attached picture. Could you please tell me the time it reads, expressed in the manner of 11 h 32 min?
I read 7 h 05 min
